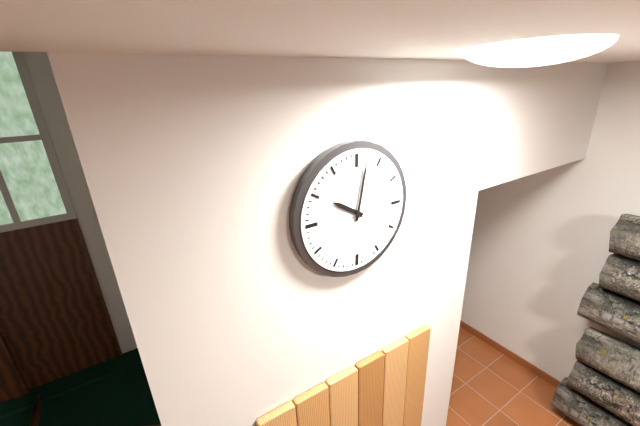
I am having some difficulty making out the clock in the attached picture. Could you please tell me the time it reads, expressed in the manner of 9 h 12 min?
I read 10 h 02 min
